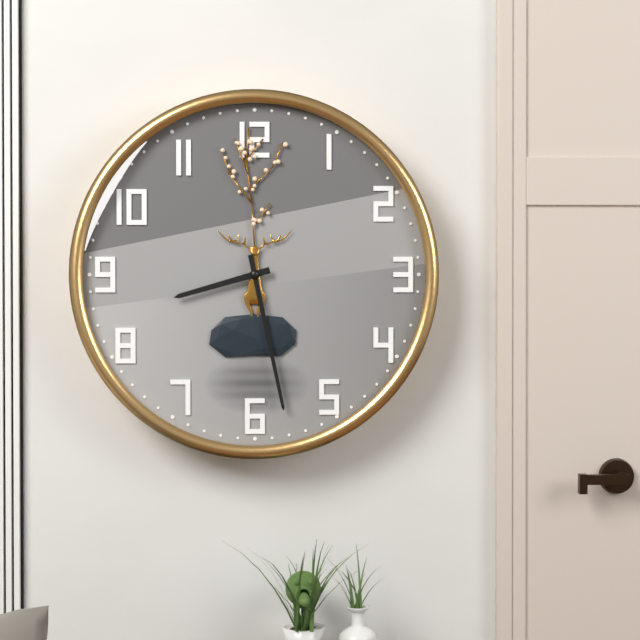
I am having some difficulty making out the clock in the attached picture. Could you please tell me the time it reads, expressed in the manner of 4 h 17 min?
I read 8 h 28 min
